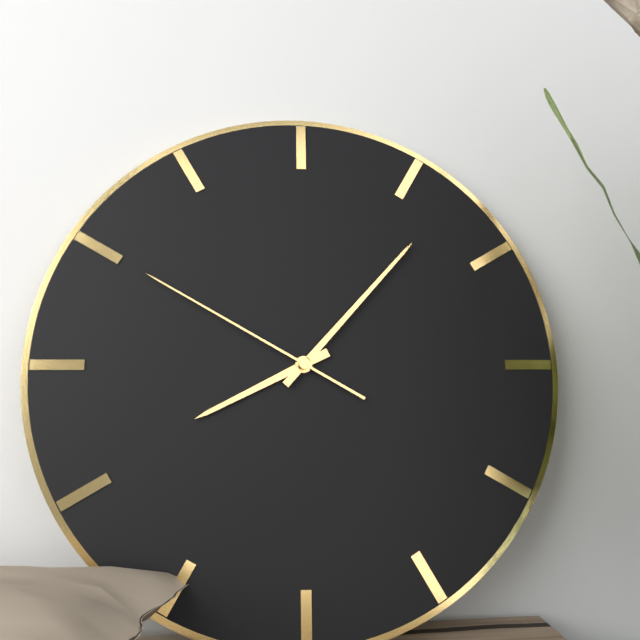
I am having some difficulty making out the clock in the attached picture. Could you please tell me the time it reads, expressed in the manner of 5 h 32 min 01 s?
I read 8 h 07 min 50 s
